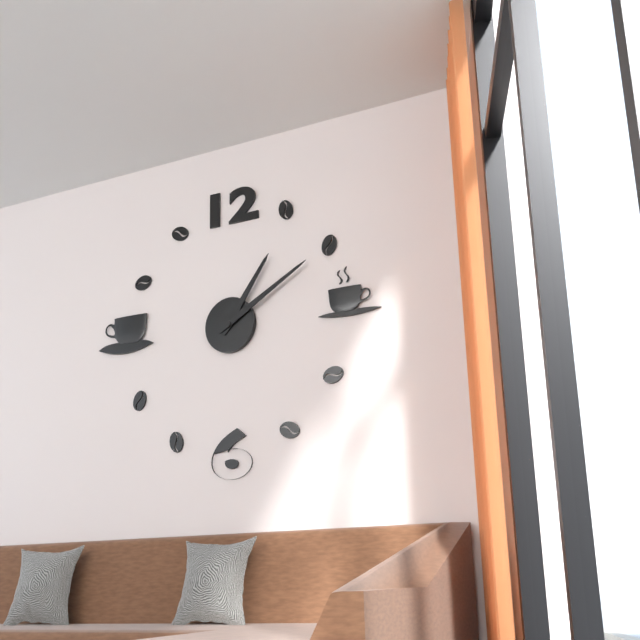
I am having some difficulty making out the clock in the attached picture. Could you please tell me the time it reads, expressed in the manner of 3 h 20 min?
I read 1 h 10 min
